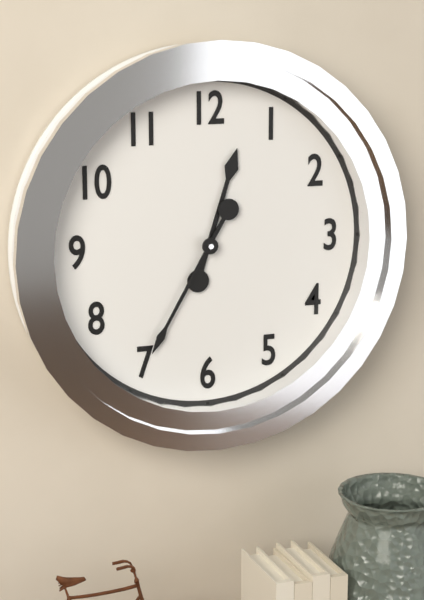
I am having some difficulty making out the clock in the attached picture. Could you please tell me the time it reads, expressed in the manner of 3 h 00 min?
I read 12 h 35 min
